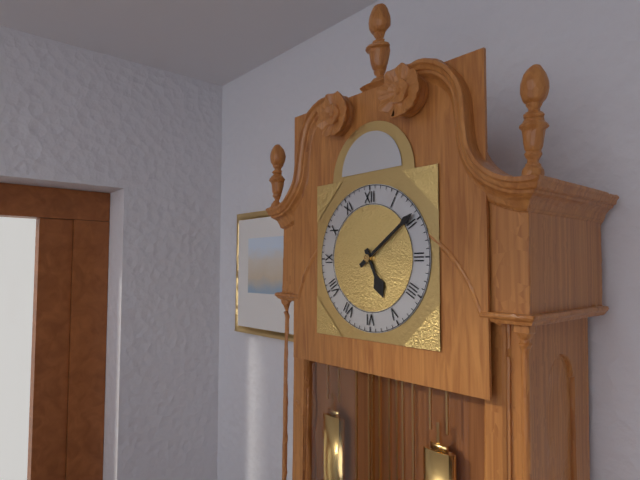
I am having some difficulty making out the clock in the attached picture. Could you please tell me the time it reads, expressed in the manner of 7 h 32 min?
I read 5 h 09 min
